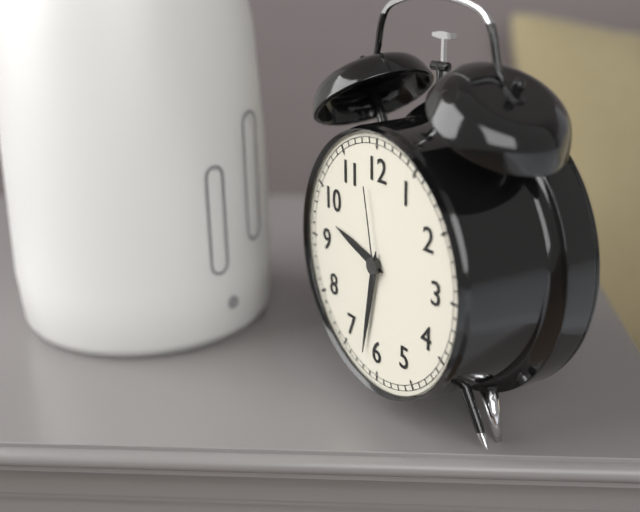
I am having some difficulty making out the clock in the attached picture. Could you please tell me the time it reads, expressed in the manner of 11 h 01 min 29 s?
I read 9 h 32 min 58 s
